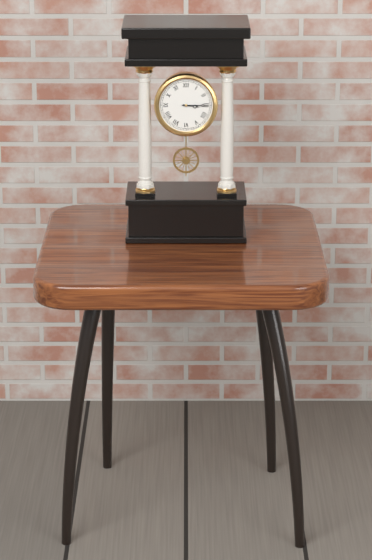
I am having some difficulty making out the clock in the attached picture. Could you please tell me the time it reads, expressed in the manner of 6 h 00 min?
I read 3 h 15 min
